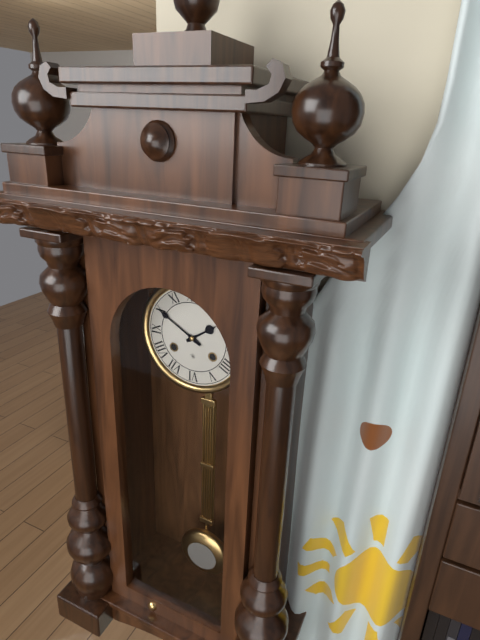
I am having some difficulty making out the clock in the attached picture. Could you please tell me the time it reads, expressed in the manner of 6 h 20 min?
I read 1 h 50 min
